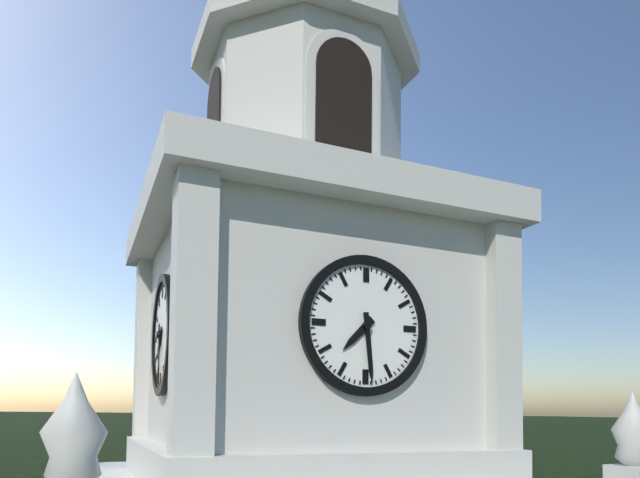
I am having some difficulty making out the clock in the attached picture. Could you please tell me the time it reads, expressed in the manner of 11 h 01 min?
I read 7 h 29 min
